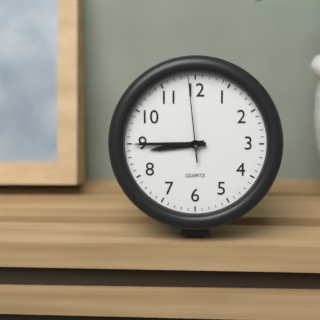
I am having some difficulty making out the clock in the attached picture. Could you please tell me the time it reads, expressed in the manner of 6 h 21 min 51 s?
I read 8 h 45 min 59 s
